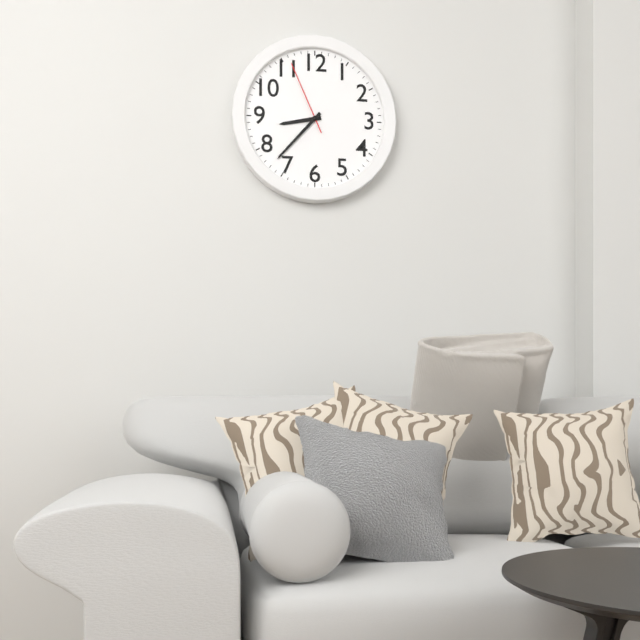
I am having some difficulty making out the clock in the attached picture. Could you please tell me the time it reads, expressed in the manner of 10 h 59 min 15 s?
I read 8 h 37 min 56 s
